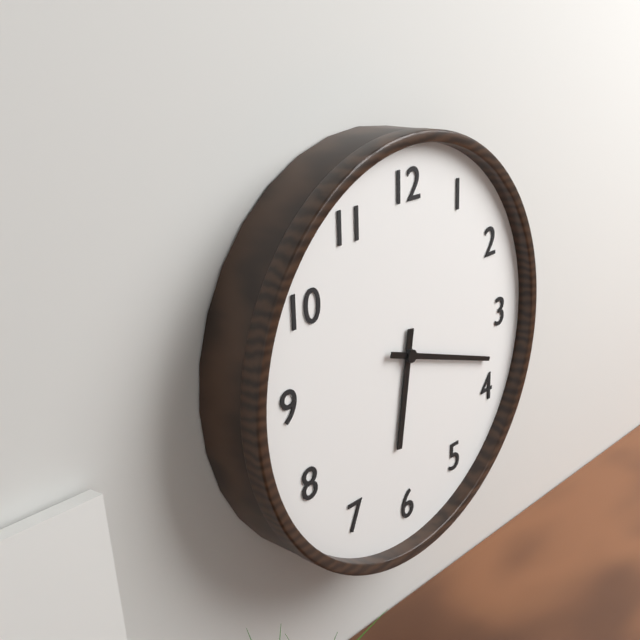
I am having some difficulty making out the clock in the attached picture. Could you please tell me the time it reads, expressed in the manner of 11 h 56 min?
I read 6 h 18 min
